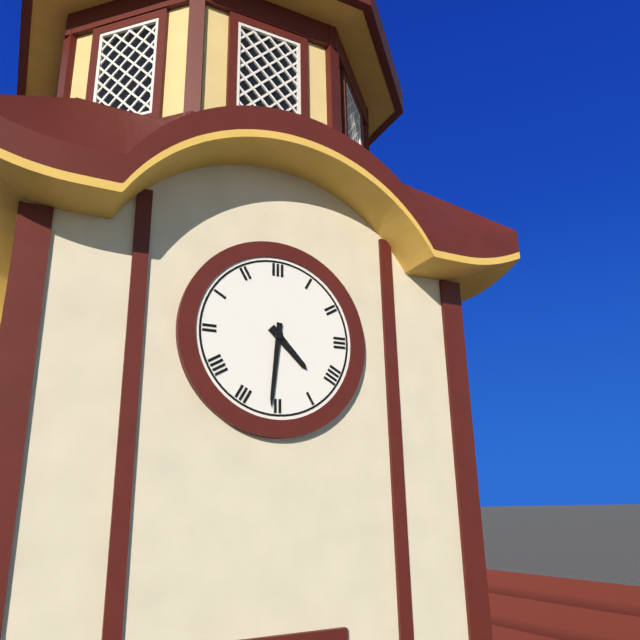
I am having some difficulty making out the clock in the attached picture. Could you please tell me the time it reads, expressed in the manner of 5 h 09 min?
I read 4 h 31 min
